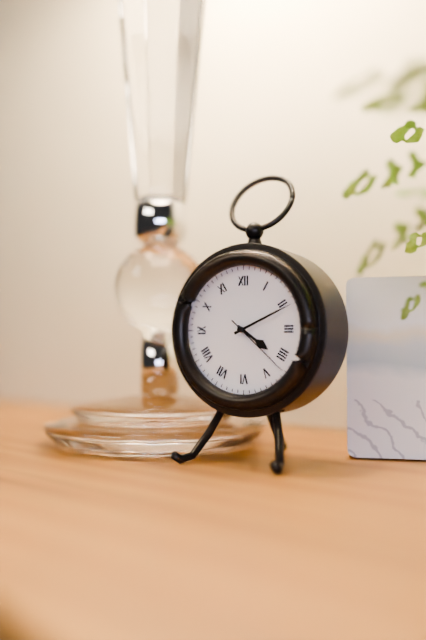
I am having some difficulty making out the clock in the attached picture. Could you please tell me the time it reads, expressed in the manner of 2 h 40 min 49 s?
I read 4 h 11 min 22 s
